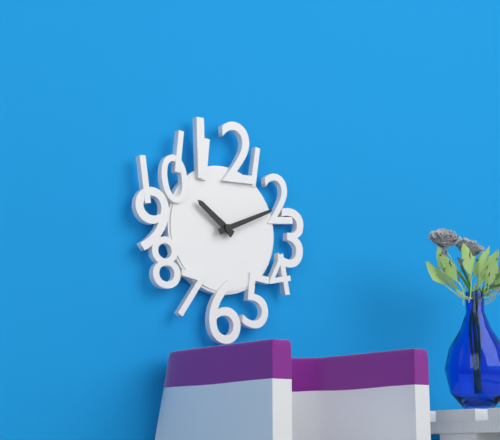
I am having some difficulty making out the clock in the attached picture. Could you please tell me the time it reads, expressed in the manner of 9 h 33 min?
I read 10 h 11 min
